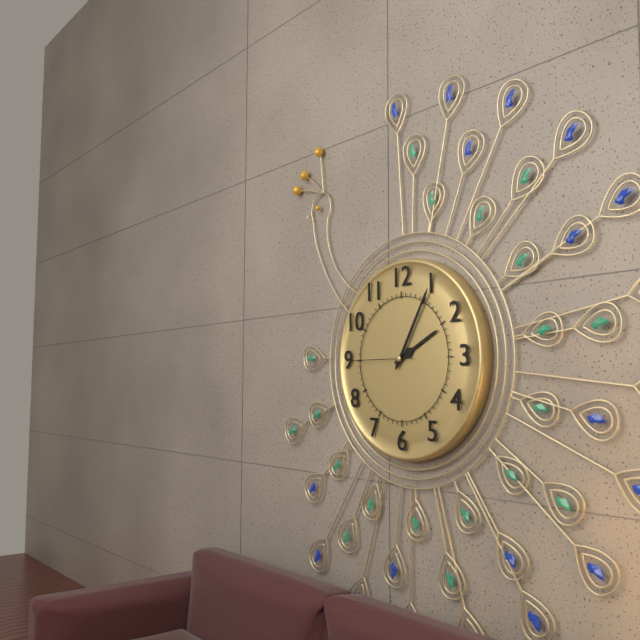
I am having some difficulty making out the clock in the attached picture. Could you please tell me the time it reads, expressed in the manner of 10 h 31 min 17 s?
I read 2 h 05 min 45 s
